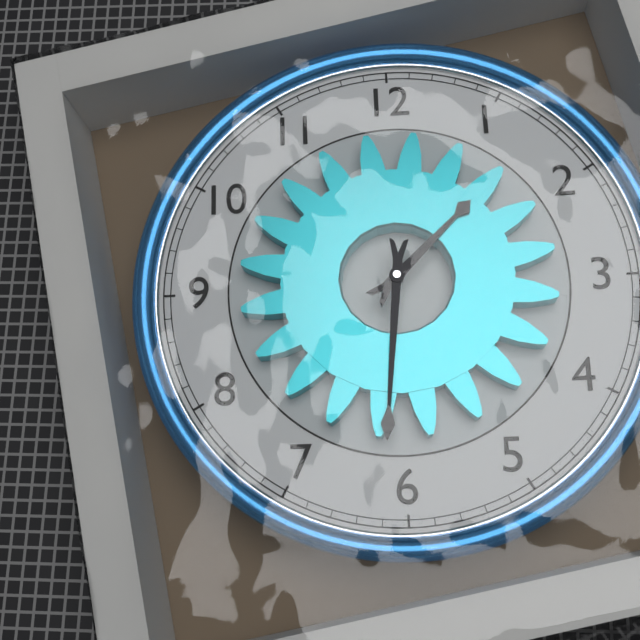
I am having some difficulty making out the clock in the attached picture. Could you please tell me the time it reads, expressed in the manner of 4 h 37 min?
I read 1 h 31 min
